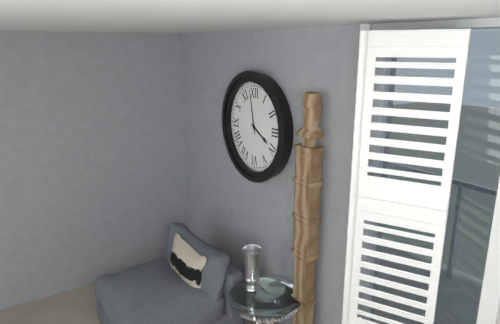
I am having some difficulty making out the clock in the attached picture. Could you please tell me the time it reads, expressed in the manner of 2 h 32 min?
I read 3 h 58 min
